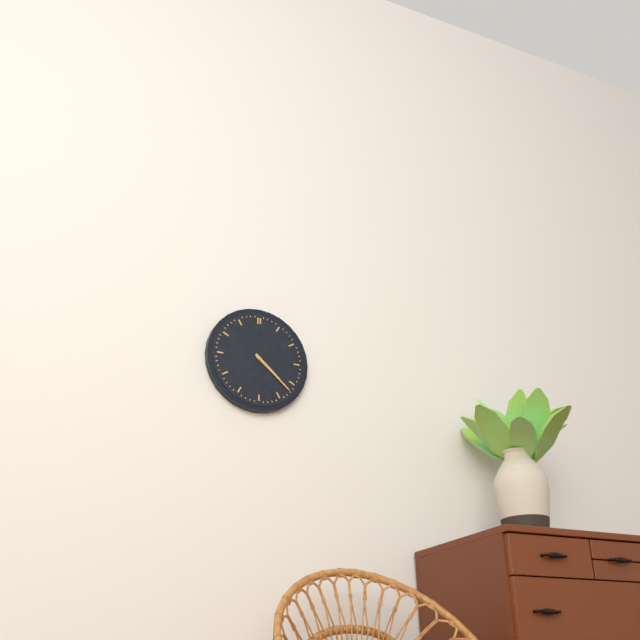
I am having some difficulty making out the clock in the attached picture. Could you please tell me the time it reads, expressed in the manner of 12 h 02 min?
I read 4 h 22 min
